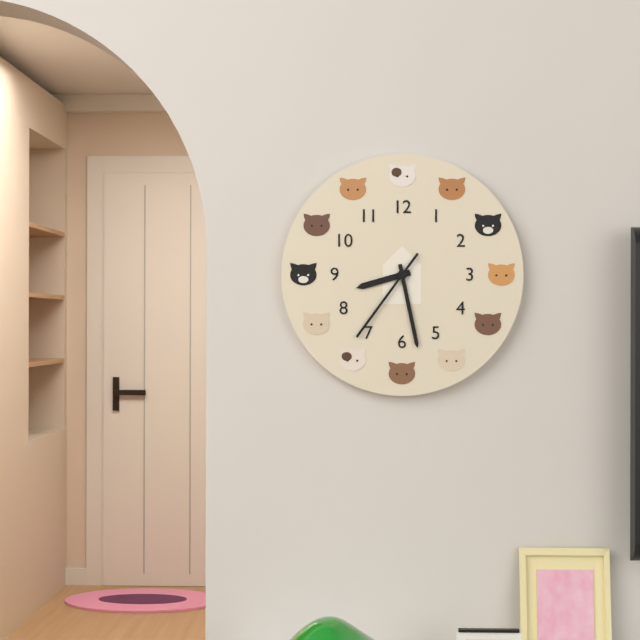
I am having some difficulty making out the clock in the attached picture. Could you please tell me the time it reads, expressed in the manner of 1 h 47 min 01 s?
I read 8 h 28 min 36 s
